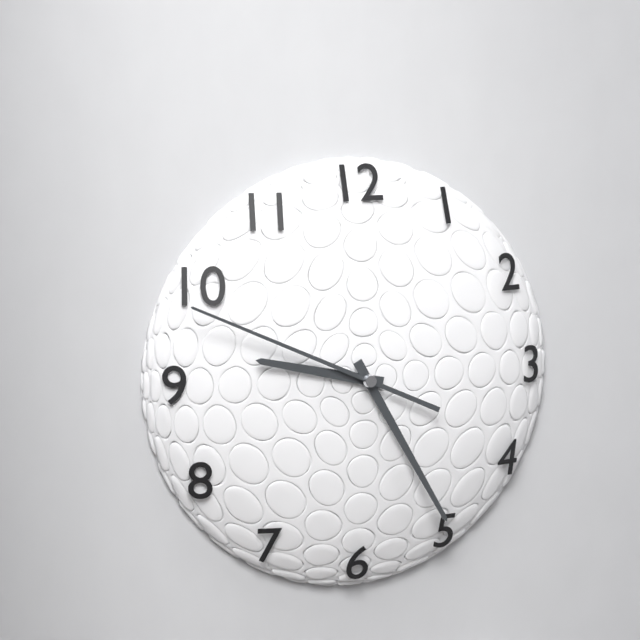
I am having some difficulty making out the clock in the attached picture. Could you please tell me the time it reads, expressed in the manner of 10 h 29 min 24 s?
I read 9 h 25 min 49 s
